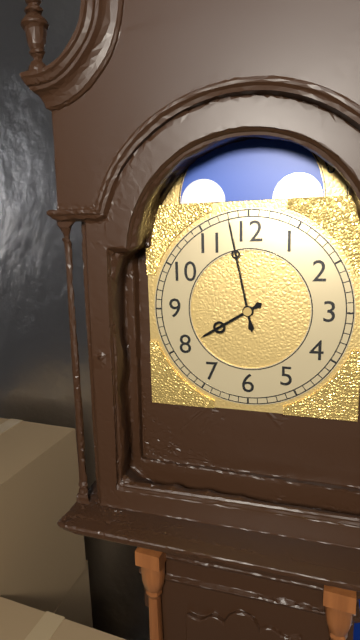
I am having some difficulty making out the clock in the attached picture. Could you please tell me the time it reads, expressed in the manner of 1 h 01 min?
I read 7 h 58 min
